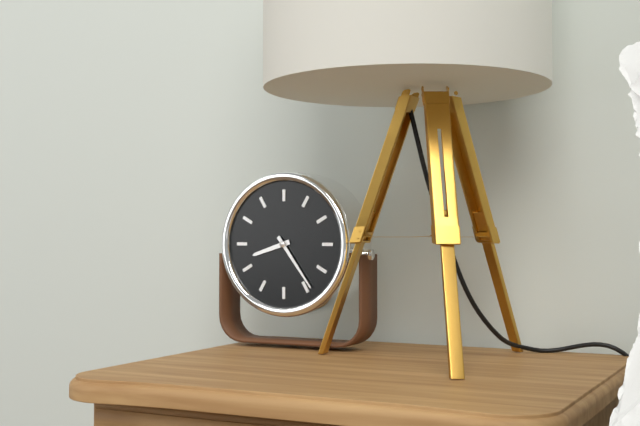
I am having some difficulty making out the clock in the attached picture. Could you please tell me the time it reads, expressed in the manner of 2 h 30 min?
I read 8 h 24 min
